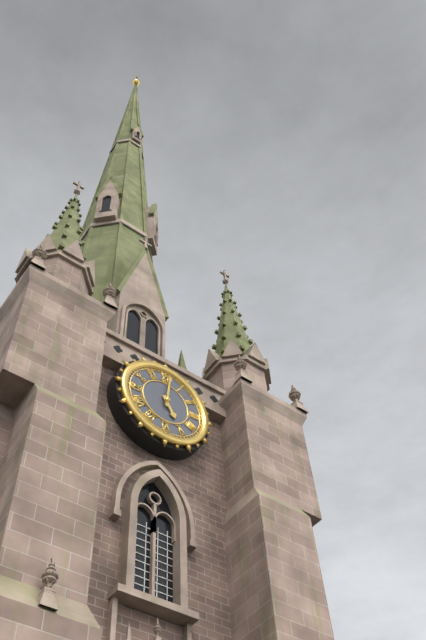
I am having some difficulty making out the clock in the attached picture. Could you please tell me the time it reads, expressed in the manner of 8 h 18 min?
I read 5 h 01 min
